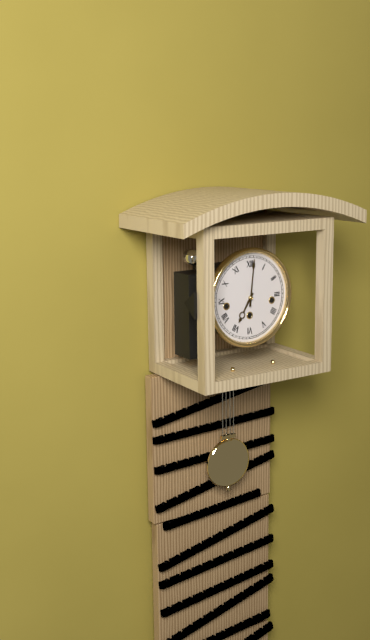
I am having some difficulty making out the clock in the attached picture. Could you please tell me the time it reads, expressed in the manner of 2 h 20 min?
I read 7 h 01 min
